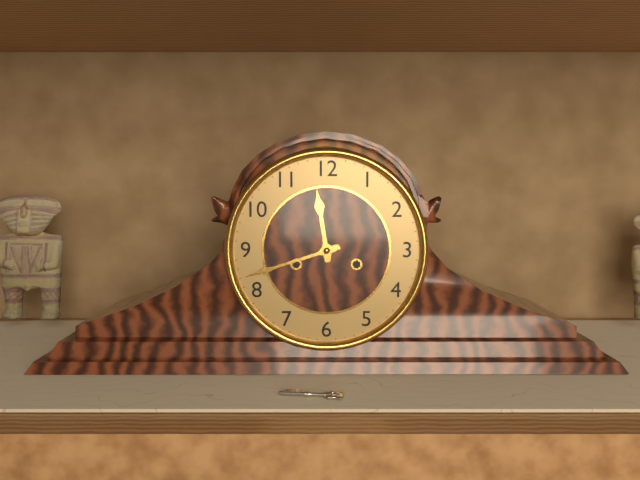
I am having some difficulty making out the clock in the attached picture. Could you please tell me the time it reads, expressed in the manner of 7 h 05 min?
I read 11 h 42 min
